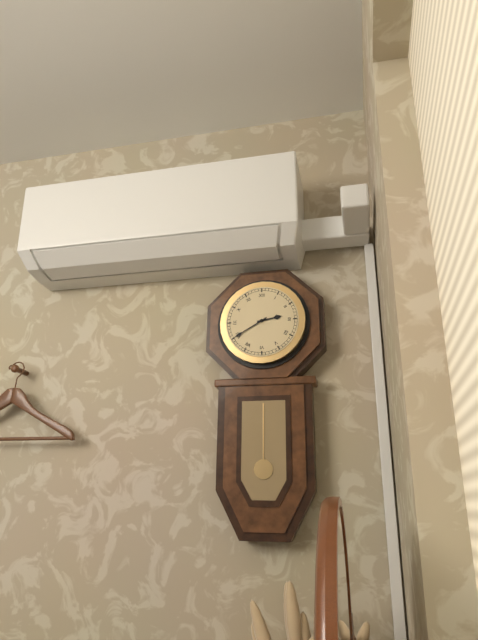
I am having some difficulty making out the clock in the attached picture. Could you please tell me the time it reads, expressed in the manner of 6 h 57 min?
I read 2 h 40 min
